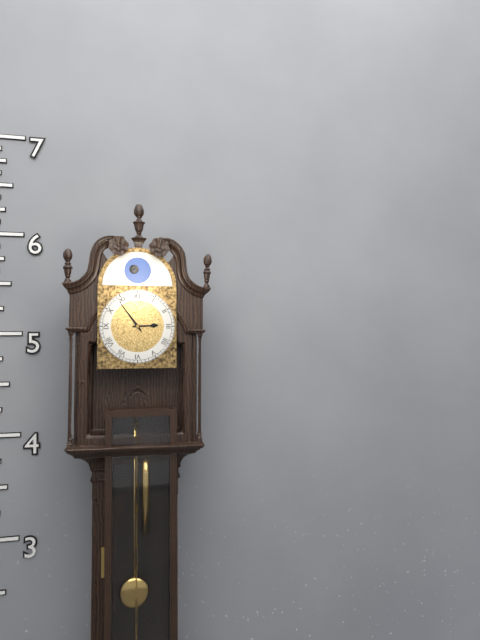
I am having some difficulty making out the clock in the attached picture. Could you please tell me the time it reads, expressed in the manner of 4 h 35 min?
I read 2 h 54 min
